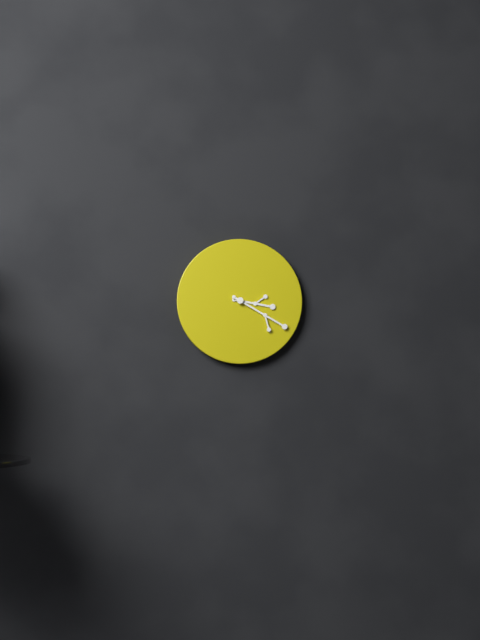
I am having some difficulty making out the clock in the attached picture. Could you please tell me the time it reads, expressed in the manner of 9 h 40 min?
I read 3 h 20 min
